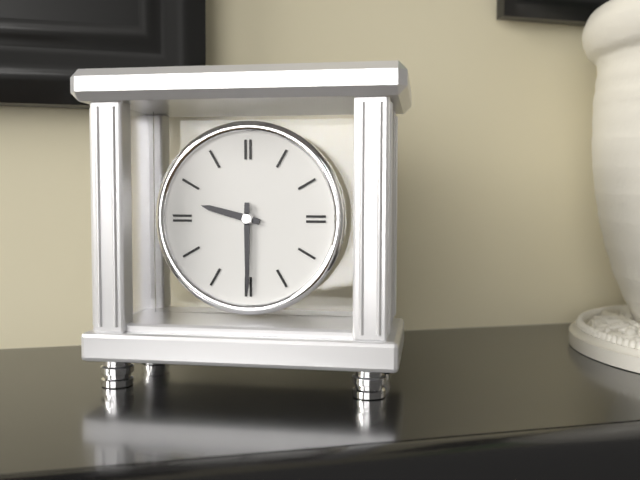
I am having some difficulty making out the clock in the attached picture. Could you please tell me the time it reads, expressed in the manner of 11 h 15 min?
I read 9 h 30 min
